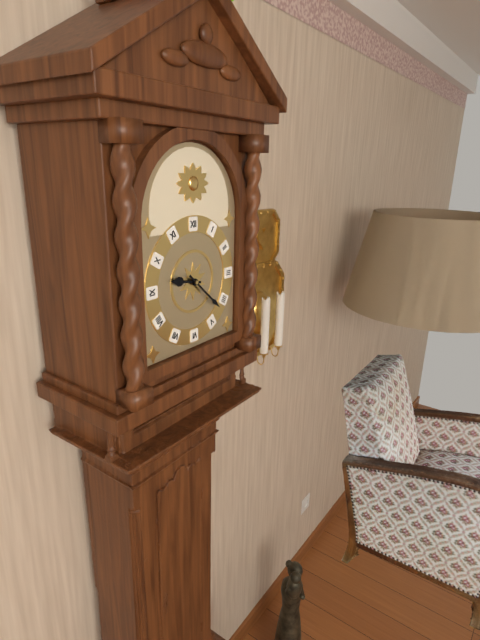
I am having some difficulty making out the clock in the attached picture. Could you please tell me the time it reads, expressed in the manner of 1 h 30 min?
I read 9 h 22 min
